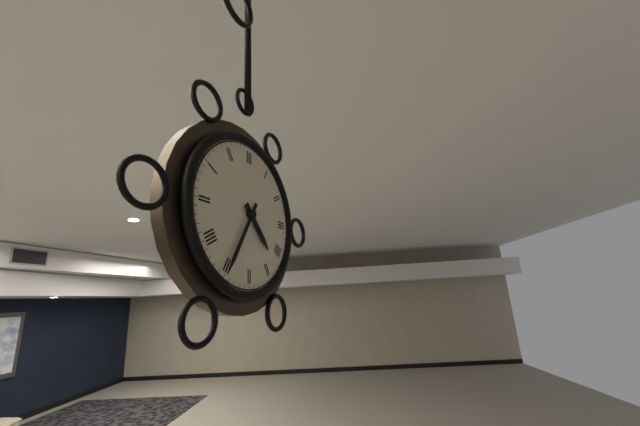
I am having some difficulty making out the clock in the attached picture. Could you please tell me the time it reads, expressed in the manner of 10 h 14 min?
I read 4 h 35 min
